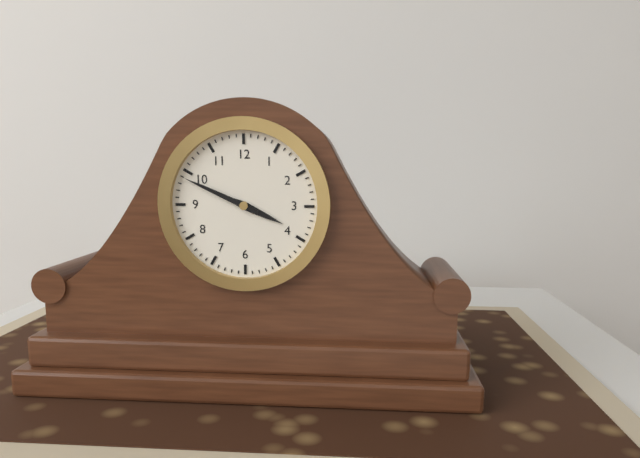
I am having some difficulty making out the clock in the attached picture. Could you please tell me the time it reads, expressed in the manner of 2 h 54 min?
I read 3 h 49 min
